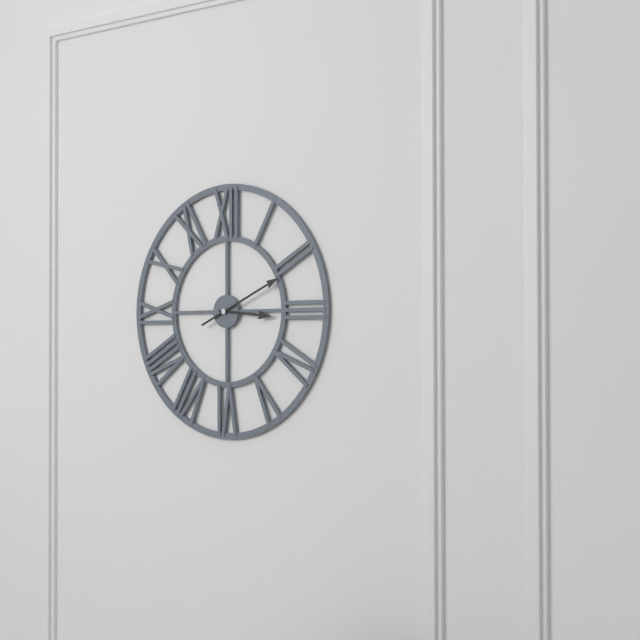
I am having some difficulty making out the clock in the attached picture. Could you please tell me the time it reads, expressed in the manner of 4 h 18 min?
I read 3 h 11 min
